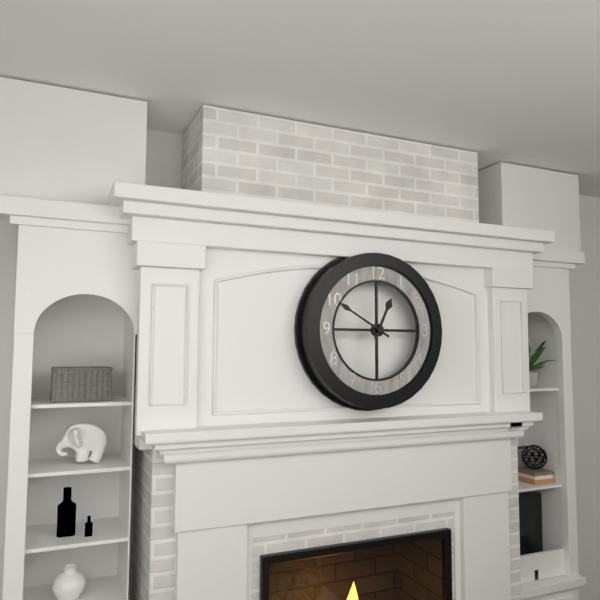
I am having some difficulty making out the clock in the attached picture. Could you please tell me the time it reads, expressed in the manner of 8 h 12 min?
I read 12 h 50 min
